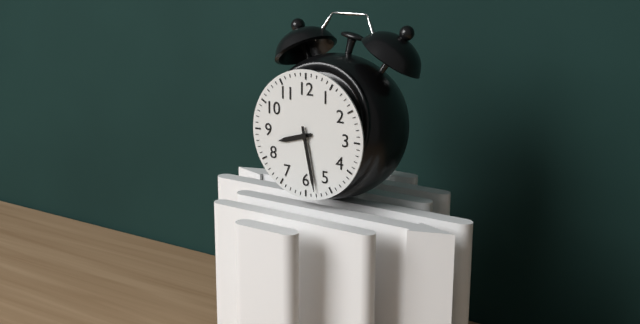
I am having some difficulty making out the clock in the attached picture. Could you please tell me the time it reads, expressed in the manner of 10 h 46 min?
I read 8 h 28 min
